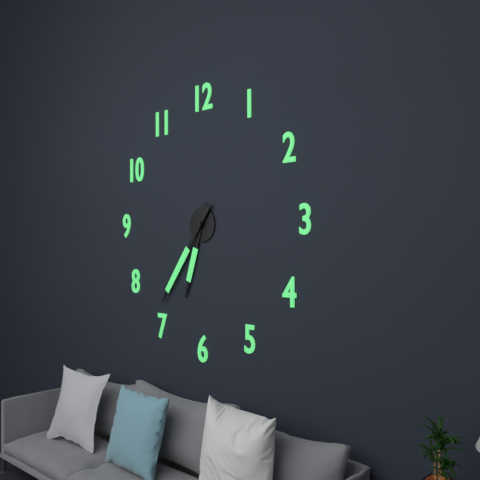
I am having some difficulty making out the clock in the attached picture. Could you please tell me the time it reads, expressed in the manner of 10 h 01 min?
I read 6 h 36 min
